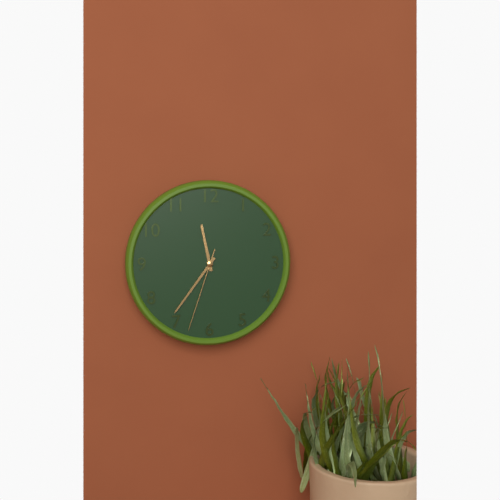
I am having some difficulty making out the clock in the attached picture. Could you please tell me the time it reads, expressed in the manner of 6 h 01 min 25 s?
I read 11 h 36 min 33 s
